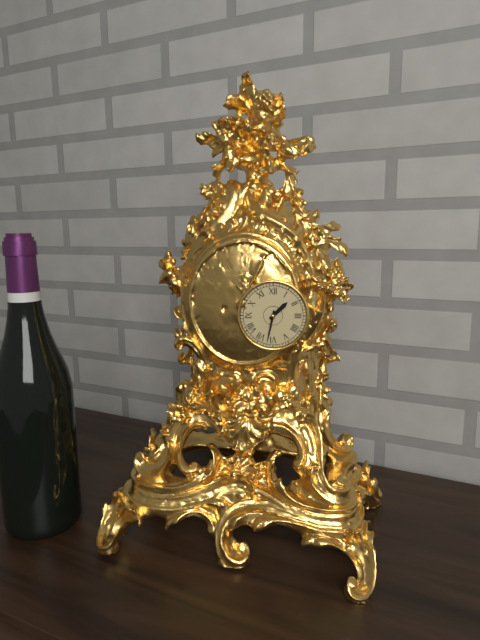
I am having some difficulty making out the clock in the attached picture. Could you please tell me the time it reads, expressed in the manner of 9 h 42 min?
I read 1 h 32 min
